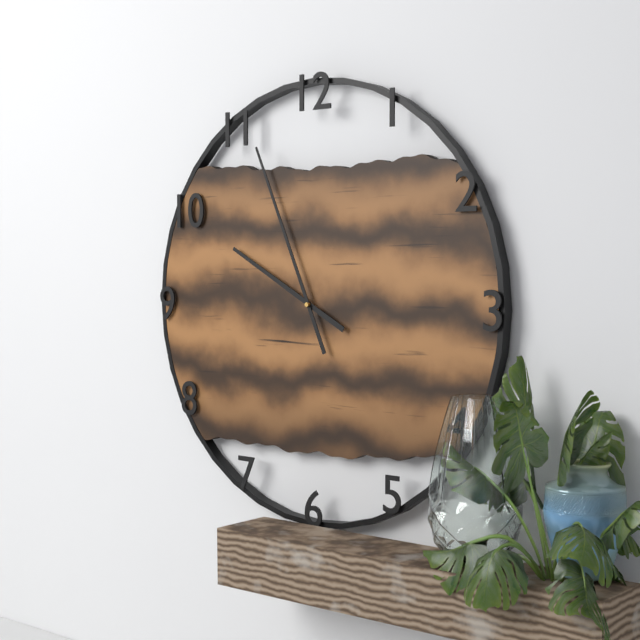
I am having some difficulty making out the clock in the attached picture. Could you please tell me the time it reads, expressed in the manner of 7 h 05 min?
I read 9 h 56 min
